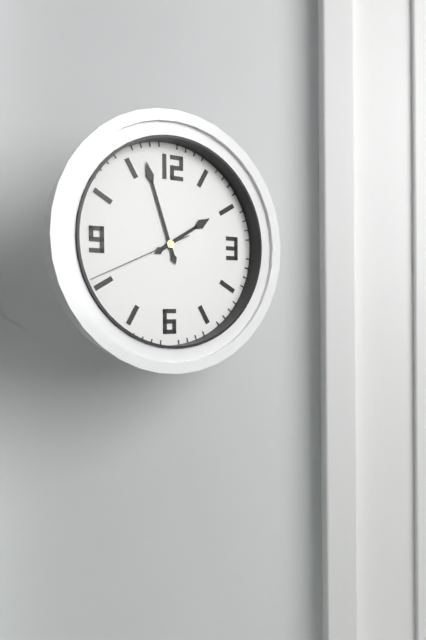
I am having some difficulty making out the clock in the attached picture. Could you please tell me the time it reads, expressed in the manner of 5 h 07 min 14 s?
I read 1 h 57 min 41 s
